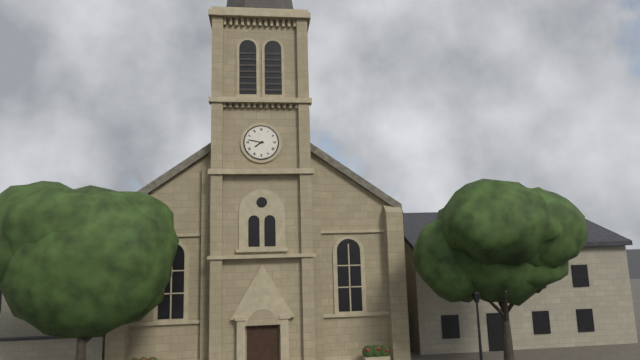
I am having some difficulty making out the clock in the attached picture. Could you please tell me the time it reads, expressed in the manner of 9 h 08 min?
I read 7 h 47 min
